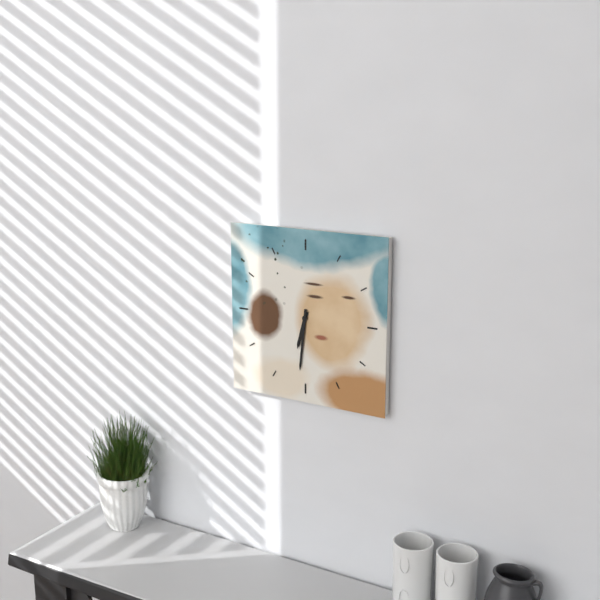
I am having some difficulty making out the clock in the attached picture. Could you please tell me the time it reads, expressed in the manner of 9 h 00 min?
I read 6 h 31 min
